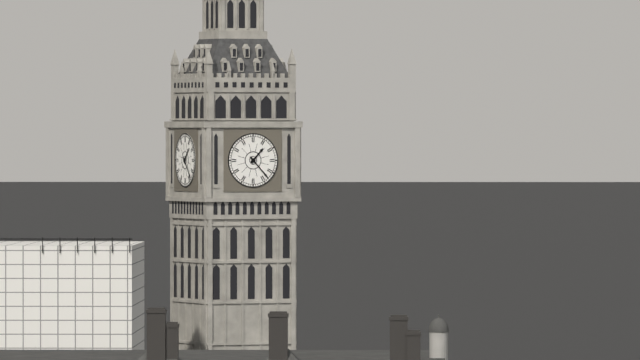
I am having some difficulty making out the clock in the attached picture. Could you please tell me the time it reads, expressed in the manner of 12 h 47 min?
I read 1 h 23 min
